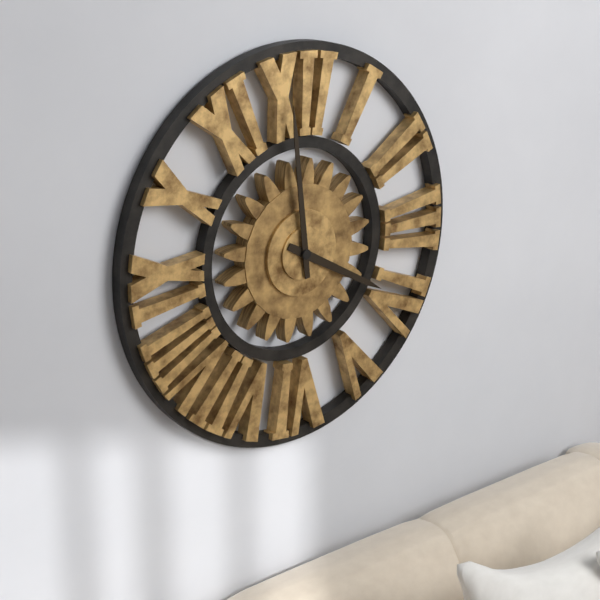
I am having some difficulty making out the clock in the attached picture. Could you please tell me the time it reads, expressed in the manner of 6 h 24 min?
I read 3 h 59 min
